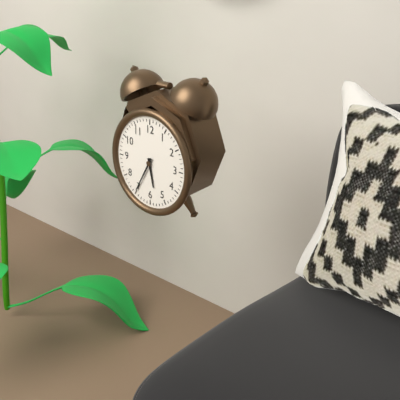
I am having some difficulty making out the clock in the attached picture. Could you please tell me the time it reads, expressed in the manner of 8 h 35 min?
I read 5 h 35 min
